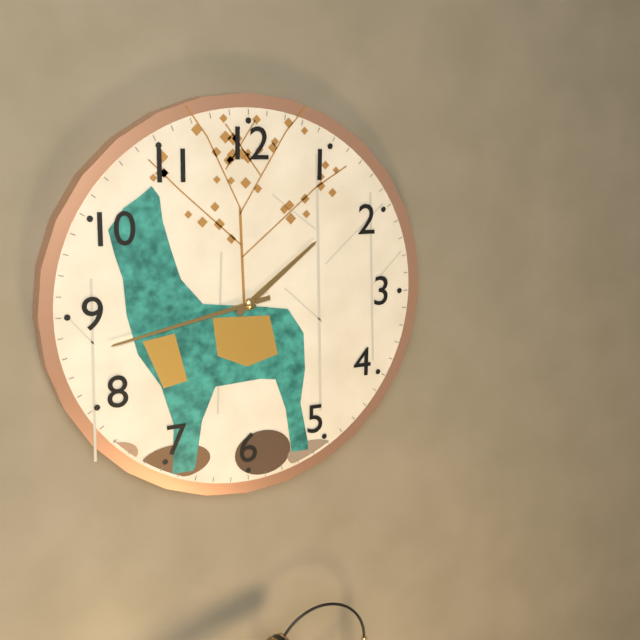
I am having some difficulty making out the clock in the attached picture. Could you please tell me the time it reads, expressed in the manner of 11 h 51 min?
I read 1 h 43 min
